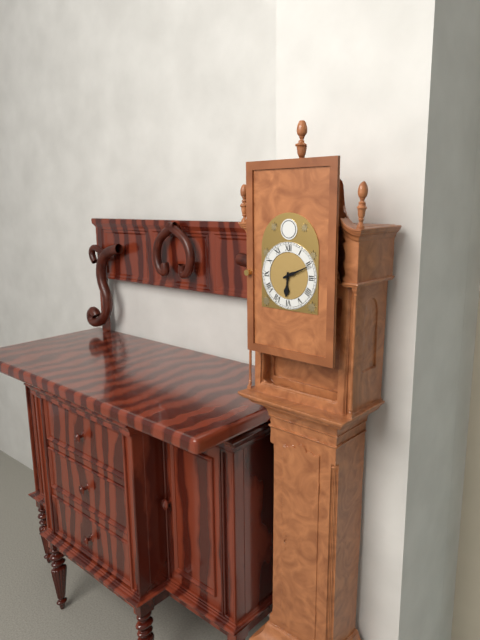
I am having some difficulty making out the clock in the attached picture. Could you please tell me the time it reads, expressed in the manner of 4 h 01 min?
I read 6 h 11 min
